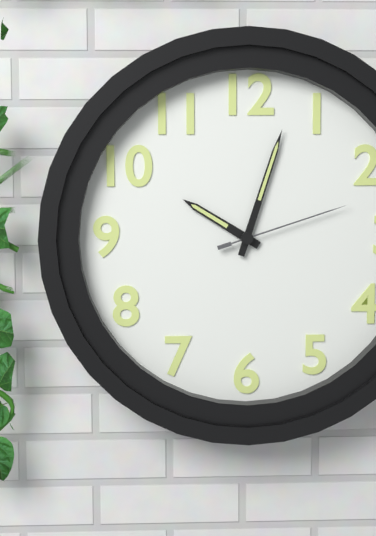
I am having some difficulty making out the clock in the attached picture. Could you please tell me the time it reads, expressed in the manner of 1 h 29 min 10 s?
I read 10 h 03 min 12 s
